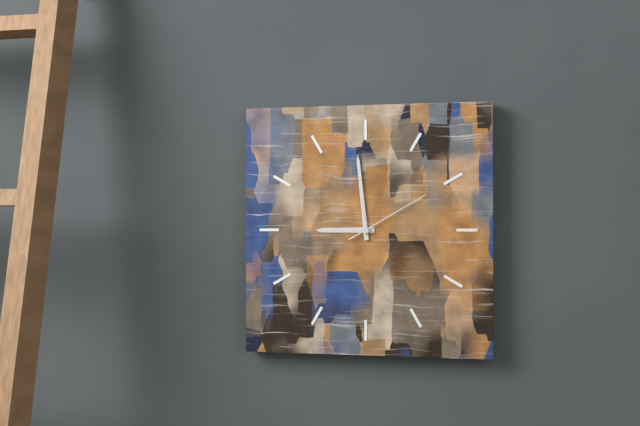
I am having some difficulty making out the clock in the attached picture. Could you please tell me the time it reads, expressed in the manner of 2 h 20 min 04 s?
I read 8 h 59 min 10 s
